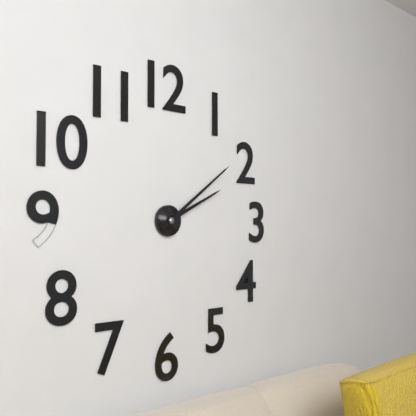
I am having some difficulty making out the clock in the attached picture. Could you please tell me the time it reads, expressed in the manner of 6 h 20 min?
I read 2 h 09 min
